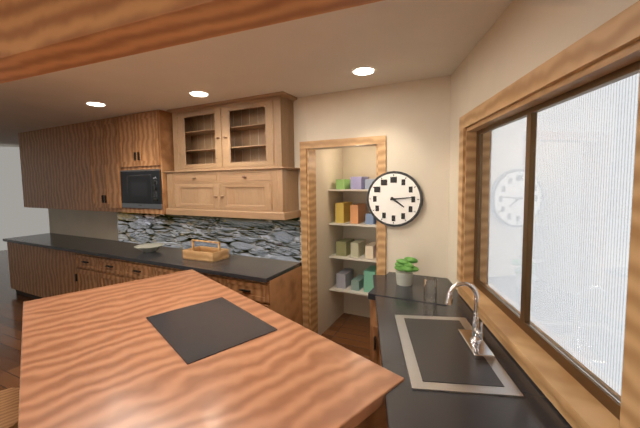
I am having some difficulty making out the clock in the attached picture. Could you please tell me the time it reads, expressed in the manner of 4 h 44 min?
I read 4 h 14 min
